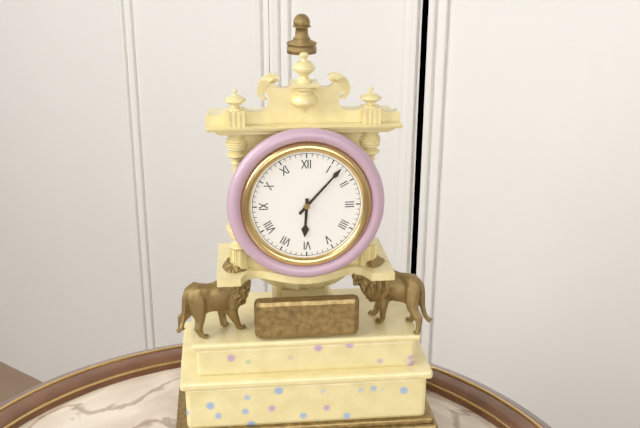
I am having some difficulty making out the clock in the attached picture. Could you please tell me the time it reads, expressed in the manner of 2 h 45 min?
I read 6 h 07 min
